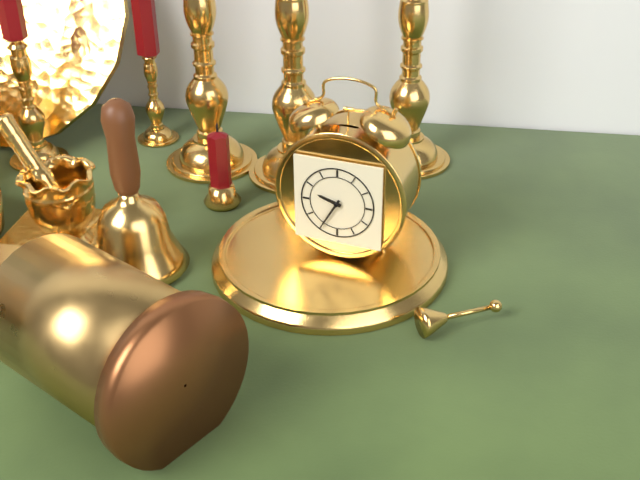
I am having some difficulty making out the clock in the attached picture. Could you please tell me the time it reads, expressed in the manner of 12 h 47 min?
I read 9 h 35 min
